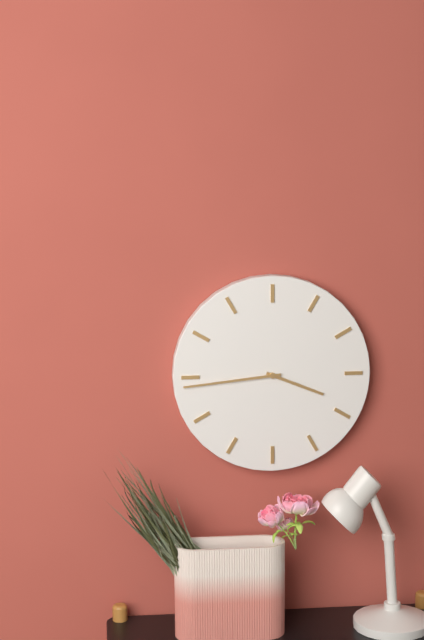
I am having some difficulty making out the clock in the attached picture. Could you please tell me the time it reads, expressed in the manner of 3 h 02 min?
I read 3 h 44 min
